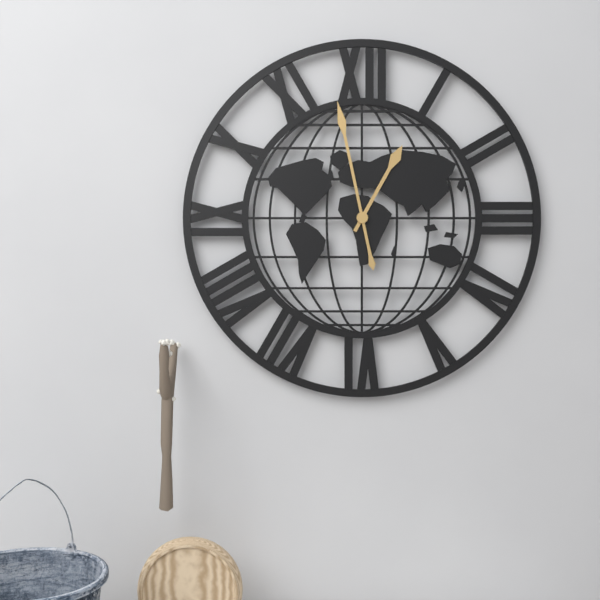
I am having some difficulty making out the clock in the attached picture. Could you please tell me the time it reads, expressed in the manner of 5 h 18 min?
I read 12 h 58 min
